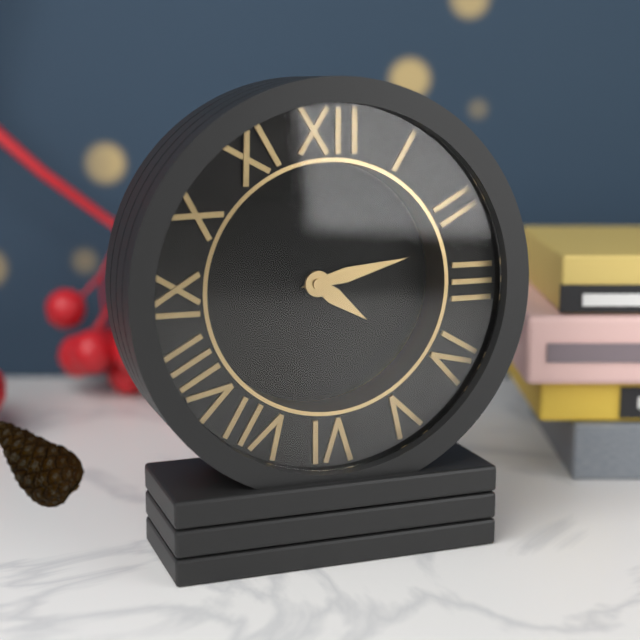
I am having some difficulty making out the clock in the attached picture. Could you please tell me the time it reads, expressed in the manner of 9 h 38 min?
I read 4 h 13 min
